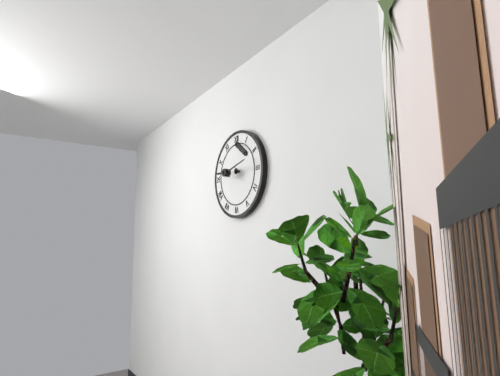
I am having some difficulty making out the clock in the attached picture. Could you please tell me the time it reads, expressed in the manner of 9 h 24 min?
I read 9 h 13 min
